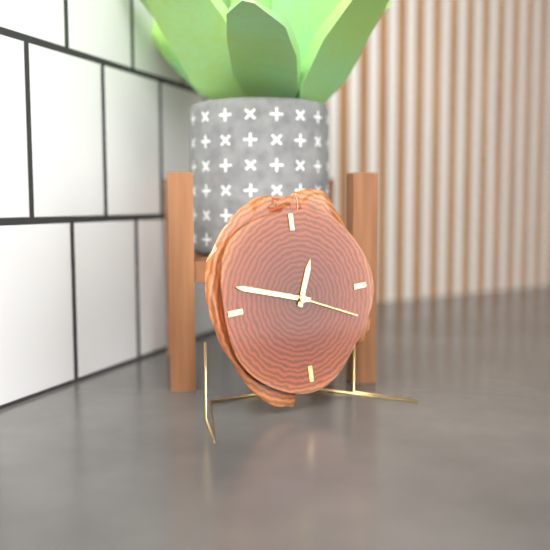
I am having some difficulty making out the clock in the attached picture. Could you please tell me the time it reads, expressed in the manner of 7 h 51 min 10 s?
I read 12 h 48 min 19 s
